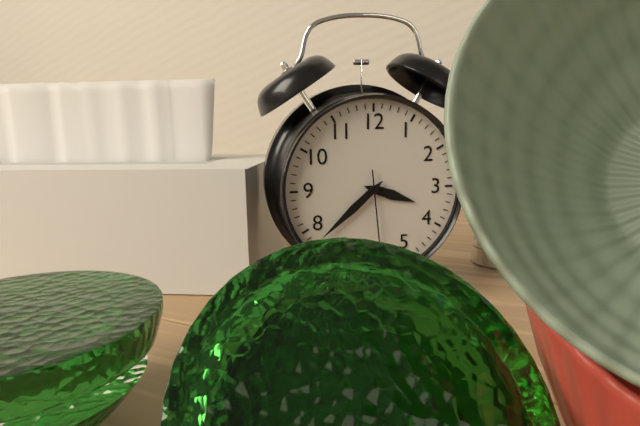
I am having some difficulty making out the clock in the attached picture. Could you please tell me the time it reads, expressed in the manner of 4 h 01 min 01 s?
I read 3 h 38 min 29 s
